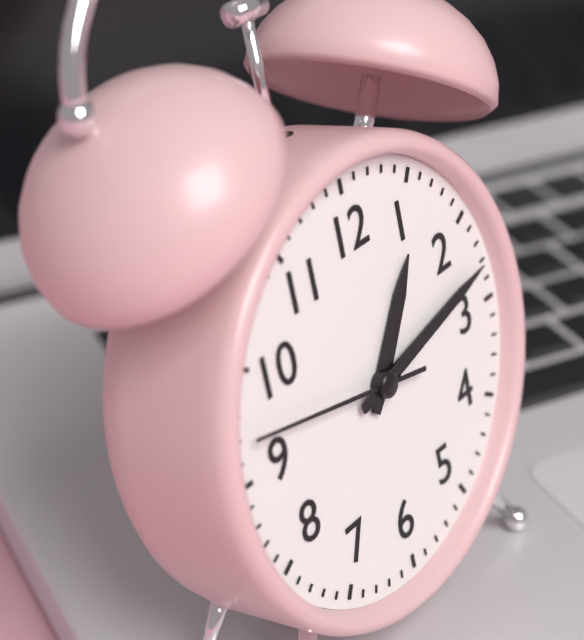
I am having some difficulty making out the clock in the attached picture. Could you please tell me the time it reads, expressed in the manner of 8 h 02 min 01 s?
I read 1 h 13 min 47 s
